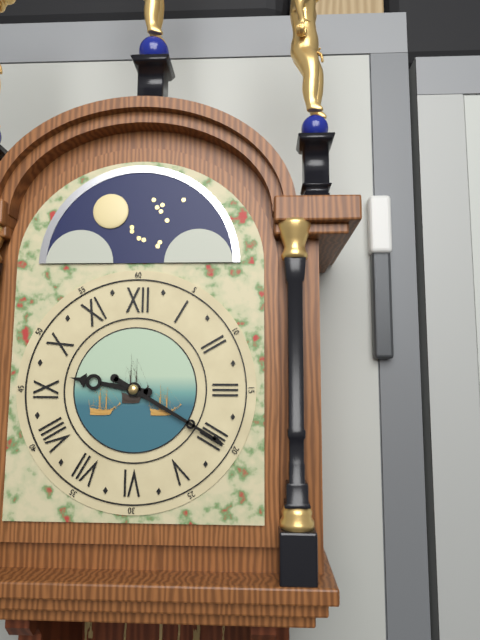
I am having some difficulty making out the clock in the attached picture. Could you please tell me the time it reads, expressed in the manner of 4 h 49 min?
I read 9 h 20 min
